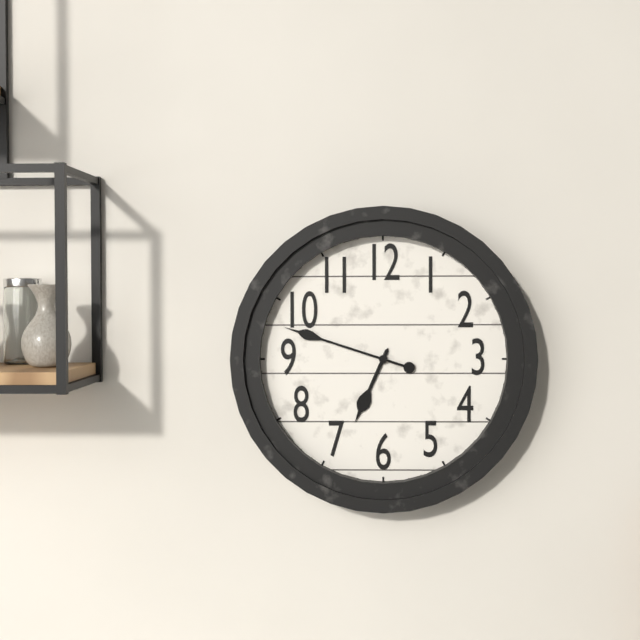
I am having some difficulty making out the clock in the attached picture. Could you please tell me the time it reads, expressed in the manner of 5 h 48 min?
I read 6 h 48 min
